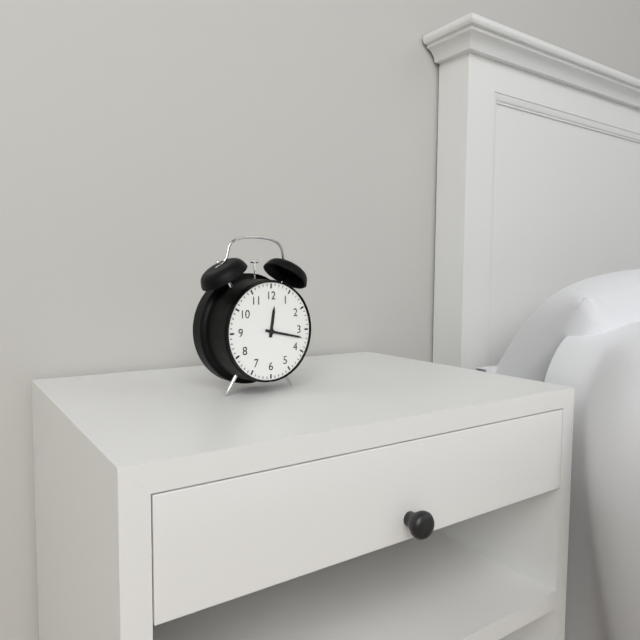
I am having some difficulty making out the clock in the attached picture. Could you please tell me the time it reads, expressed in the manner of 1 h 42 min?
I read 12 h 17 min
